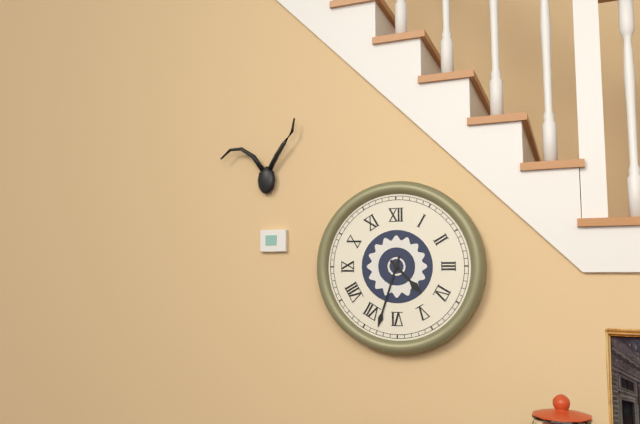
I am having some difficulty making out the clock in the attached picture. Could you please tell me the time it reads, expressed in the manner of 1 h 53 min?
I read 4 h 33 min
